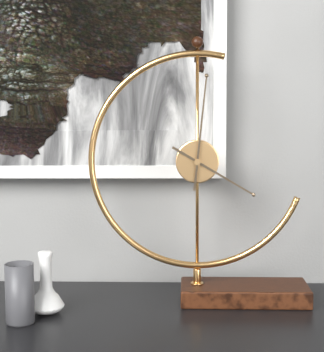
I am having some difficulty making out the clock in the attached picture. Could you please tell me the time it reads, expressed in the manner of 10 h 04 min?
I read 4 h 01 min
